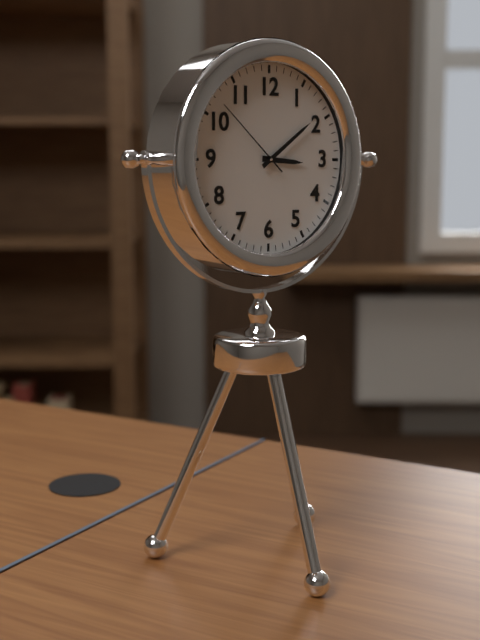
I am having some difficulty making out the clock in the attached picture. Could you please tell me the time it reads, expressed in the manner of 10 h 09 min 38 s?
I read 3 h 09 min 52 s
